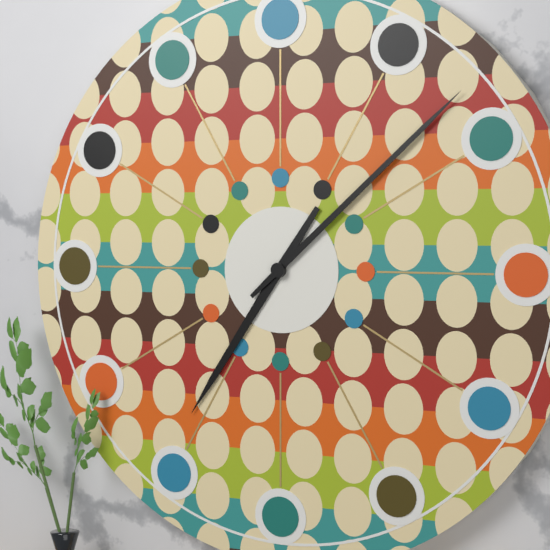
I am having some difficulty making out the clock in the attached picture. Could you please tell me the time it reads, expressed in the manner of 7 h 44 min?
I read 7 h 08 min
